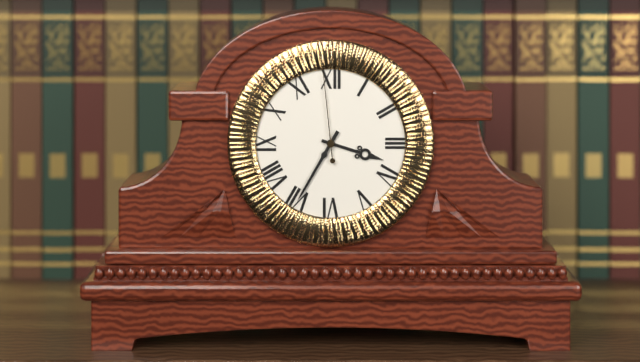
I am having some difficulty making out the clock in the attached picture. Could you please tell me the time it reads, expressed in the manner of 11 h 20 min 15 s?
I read 3 h 35 min 59 s
